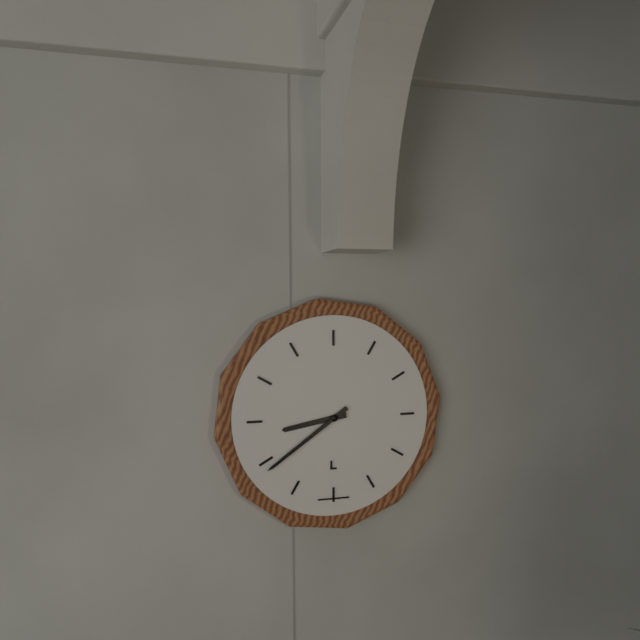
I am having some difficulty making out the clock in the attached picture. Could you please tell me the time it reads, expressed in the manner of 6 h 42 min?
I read 8 h 39 min
